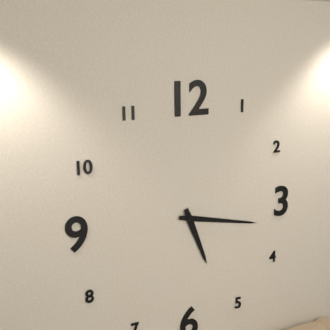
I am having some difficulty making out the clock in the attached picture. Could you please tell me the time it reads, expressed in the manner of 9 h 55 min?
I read 5 h 17 min
